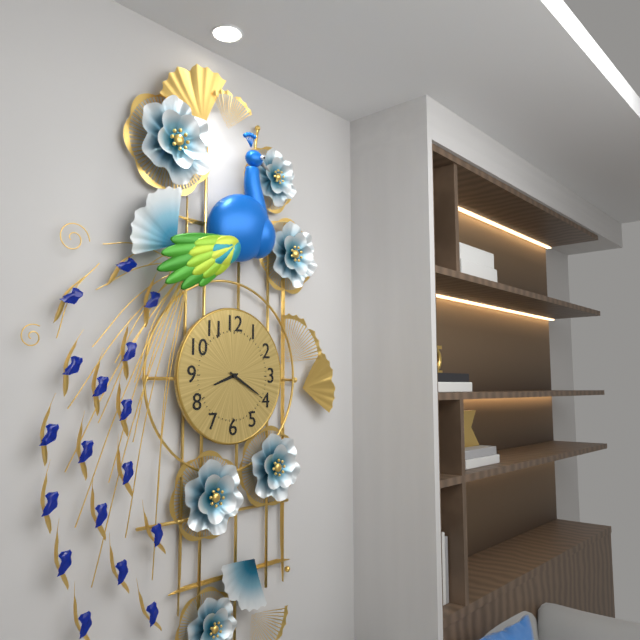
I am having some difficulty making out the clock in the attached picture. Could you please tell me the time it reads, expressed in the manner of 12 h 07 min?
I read 8 h 20 min
